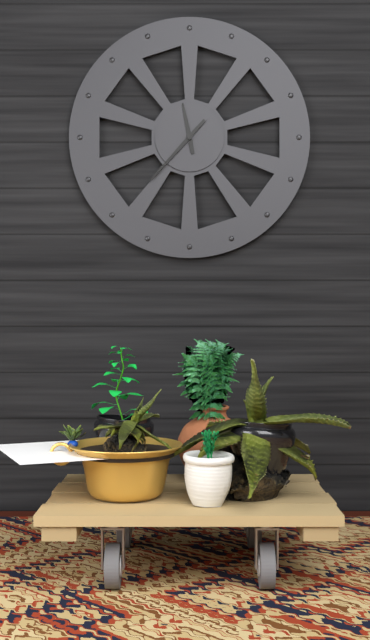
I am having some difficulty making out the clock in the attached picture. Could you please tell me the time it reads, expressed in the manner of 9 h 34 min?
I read 11 h 37 min
